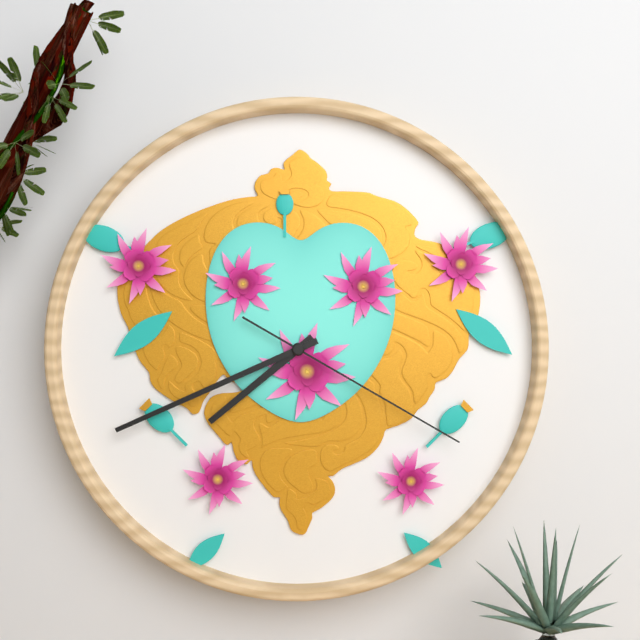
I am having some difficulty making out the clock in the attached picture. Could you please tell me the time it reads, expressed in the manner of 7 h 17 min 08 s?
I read 7 h 41 min 20 s
